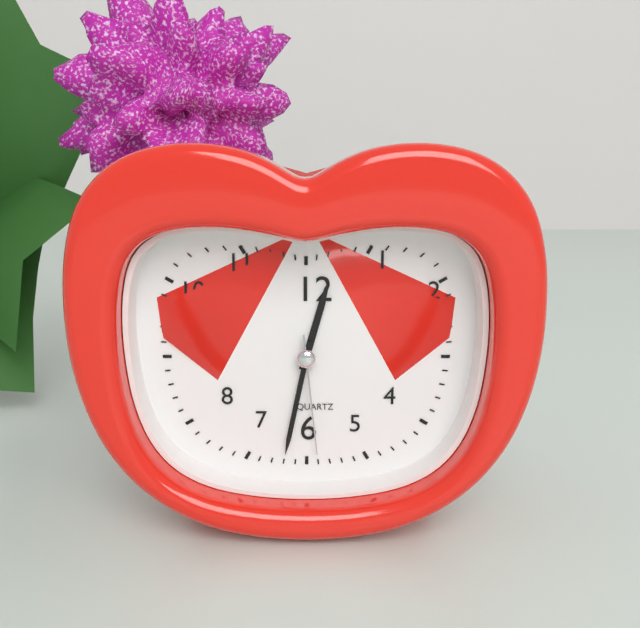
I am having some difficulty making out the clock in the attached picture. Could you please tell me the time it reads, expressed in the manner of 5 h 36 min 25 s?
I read 12 h 32 min 29 s
